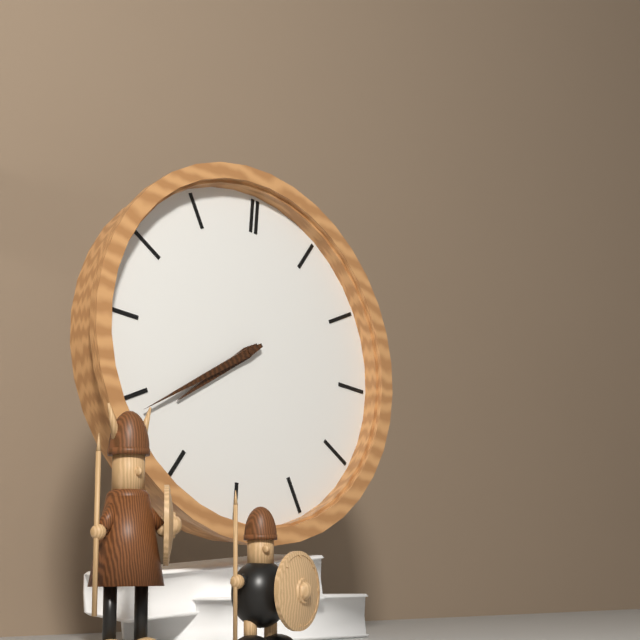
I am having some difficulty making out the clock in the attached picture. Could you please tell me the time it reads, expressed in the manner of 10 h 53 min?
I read 7 h 39 min
